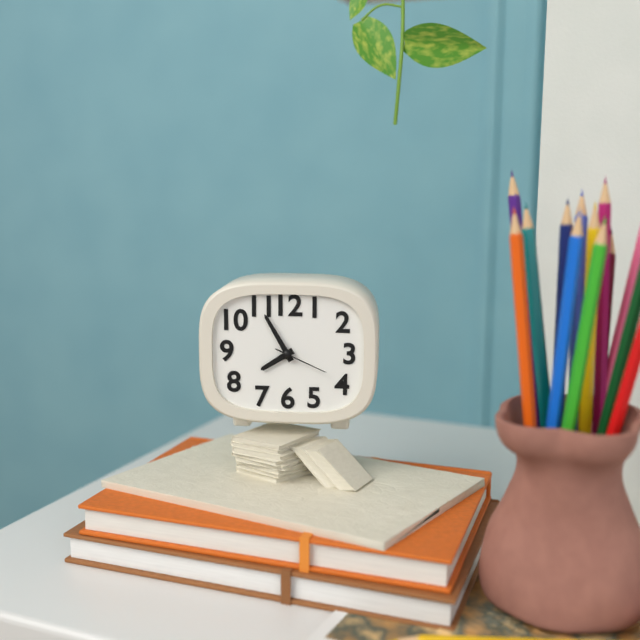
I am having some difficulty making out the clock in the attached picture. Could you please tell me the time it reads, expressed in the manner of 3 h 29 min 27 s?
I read 7 h 55 min 19 s
